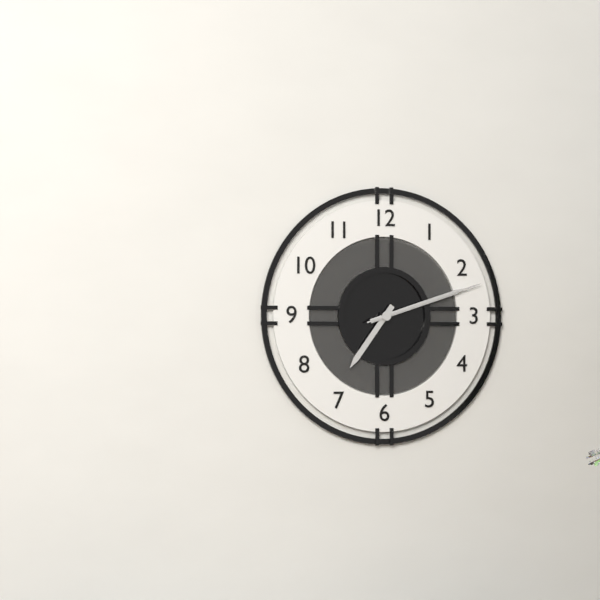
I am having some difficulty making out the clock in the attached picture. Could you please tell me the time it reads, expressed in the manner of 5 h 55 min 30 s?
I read 7 h 12 min 12 s
